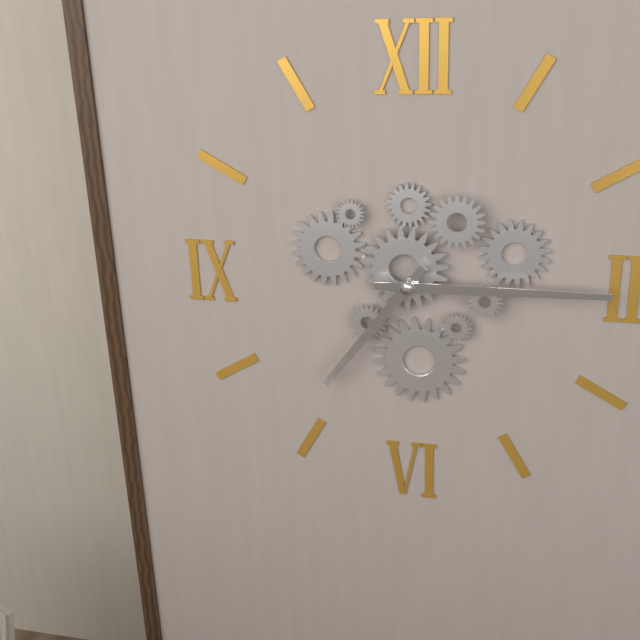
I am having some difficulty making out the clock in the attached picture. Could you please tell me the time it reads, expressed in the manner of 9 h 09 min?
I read 7 h 15 min
